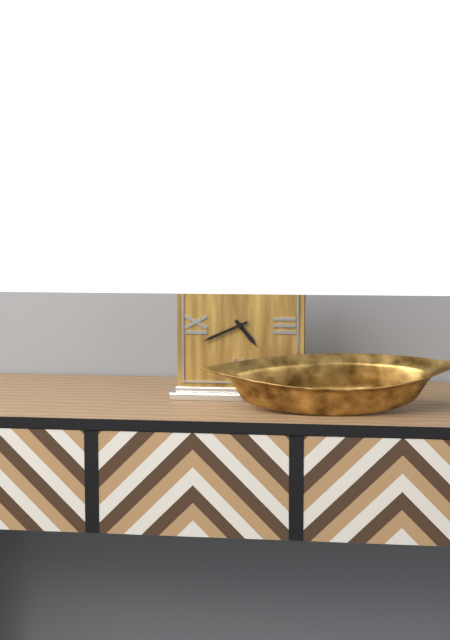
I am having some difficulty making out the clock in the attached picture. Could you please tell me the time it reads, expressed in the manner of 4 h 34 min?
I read 4 h 41 min
